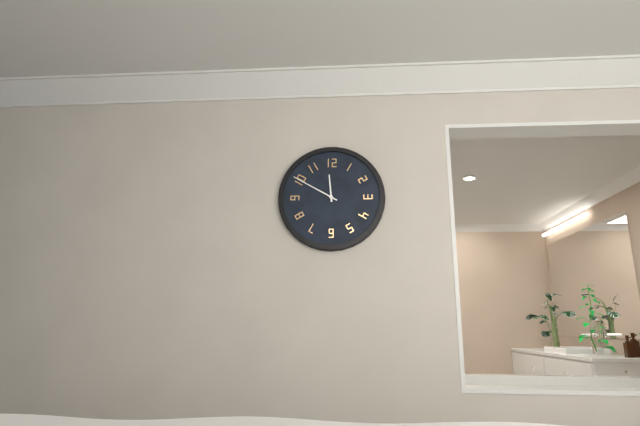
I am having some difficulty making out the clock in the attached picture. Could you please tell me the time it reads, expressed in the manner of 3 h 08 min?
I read 11 h 50 min
